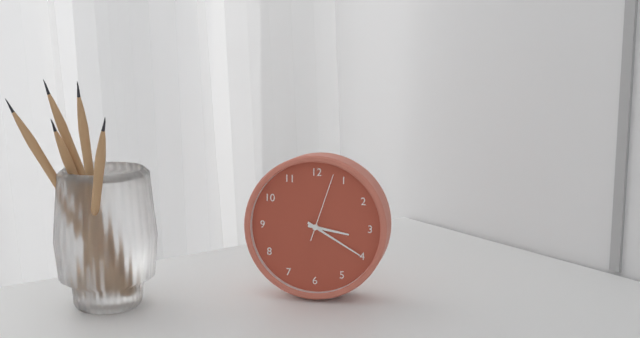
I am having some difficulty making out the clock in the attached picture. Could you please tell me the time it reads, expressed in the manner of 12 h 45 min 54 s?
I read 3 h 20 min 03 s
